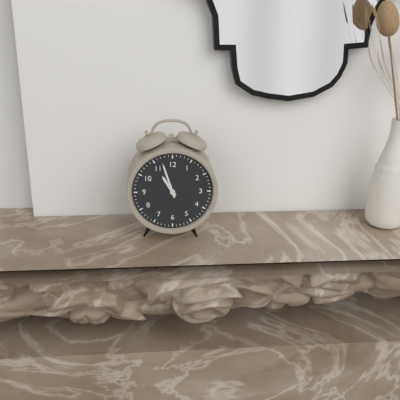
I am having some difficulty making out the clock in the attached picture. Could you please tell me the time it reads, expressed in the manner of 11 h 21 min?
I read 10 h 57 min
